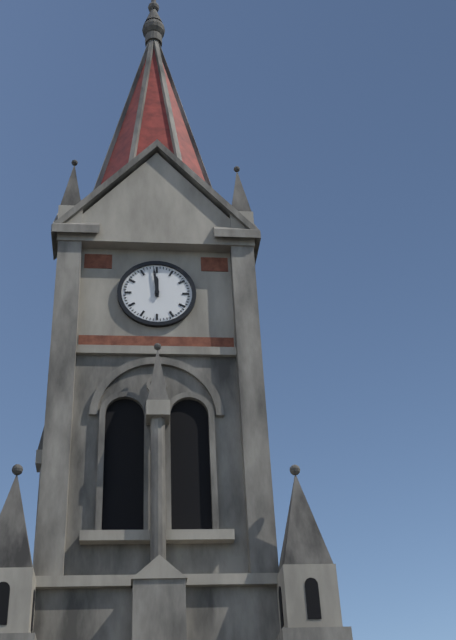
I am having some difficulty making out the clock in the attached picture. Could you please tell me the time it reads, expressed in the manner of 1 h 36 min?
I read 11 h 59 min
